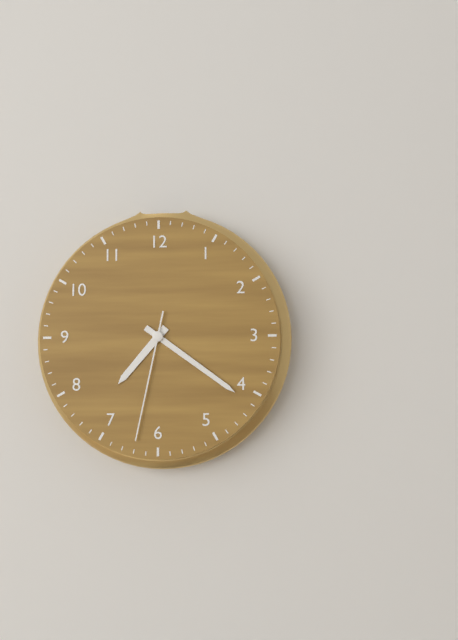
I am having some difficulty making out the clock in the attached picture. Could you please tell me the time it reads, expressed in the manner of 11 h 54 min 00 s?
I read 7 h 21 min 32 s
